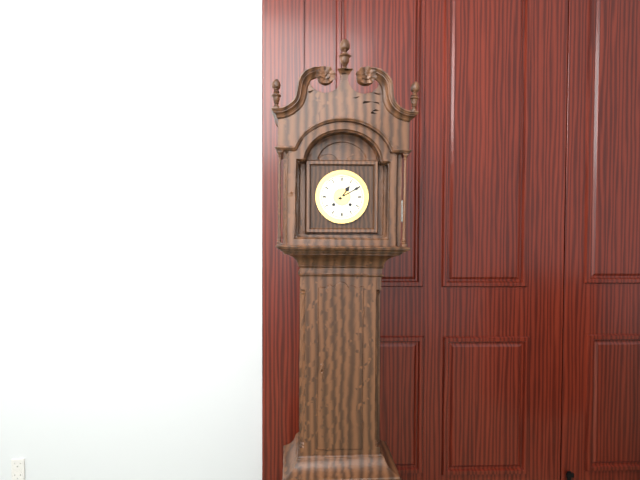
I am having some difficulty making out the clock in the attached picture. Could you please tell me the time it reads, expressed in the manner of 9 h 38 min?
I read 1 h 10 min
